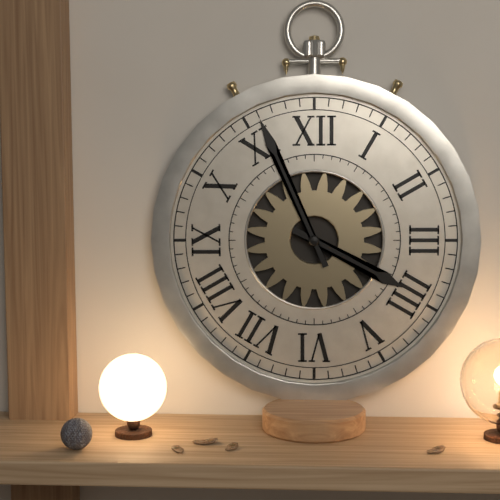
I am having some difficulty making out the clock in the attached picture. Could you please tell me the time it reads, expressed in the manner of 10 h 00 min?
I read 3 h 56 min
